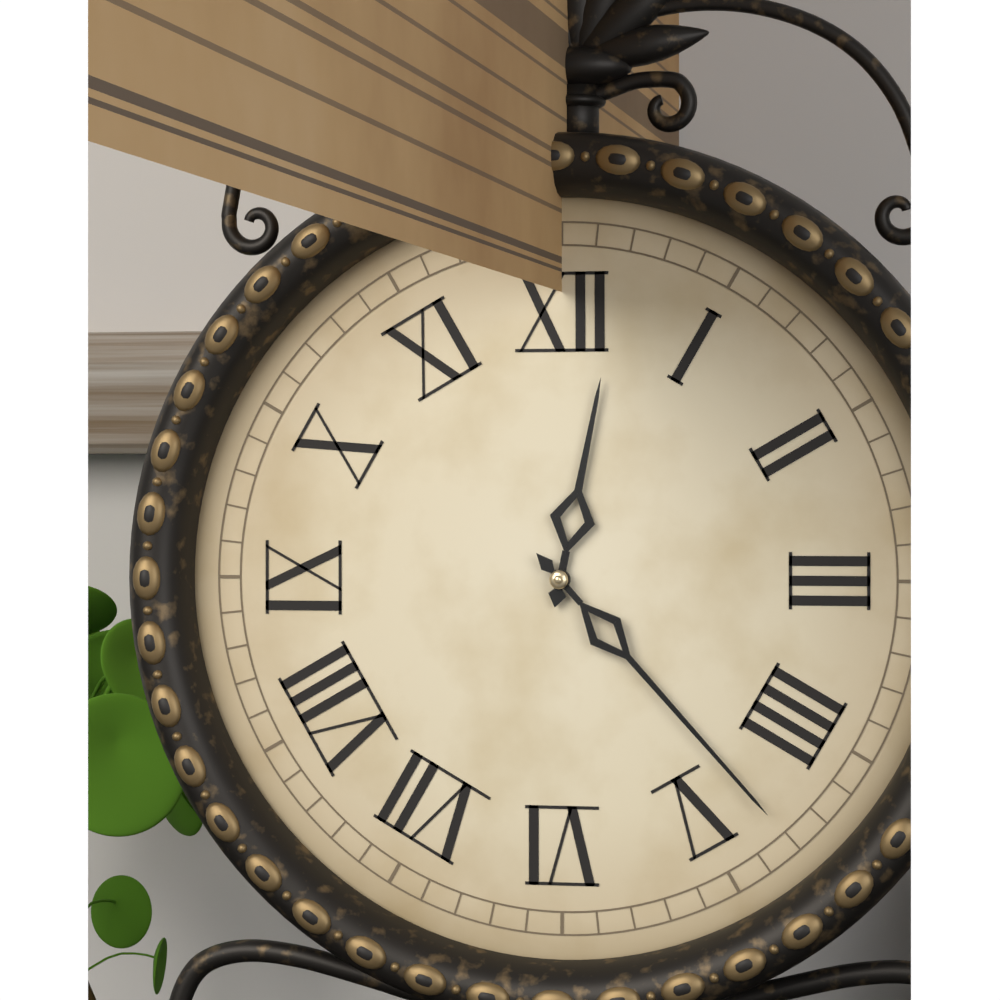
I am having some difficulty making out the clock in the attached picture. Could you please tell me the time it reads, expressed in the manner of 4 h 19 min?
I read 12 h 23 min
